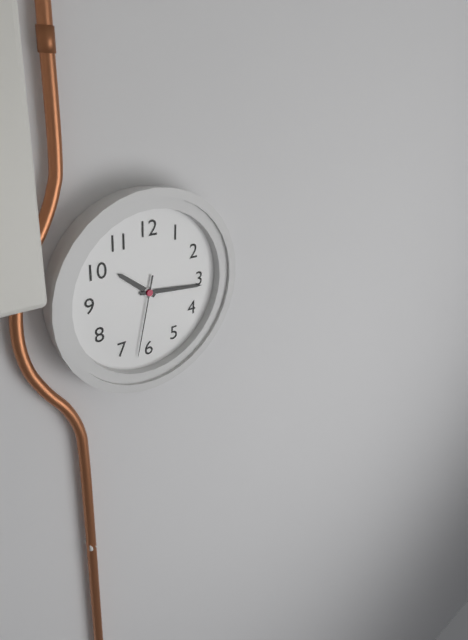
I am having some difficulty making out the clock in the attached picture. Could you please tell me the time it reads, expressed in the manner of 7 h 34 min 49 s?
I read 10 h 16 min 32 s
